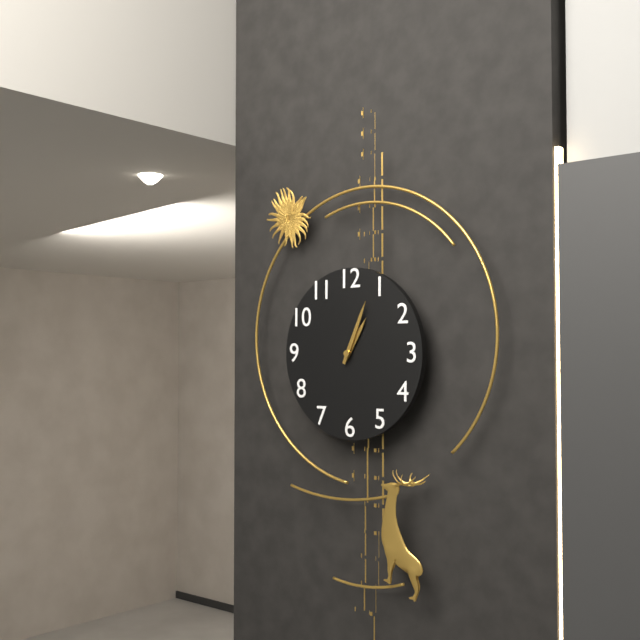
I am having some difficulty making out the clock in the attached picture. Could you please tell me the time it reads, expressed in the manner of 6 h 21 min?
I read 1 h 04 min
